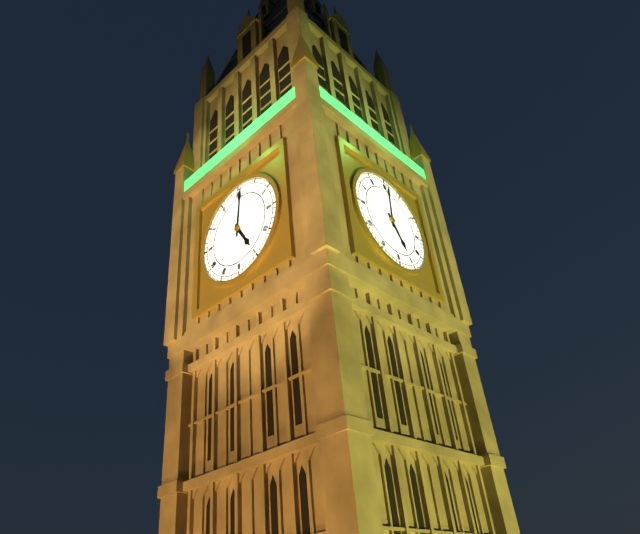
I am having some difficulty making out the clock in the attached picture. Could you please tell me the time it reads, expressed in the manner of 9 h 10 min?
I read 5 h 01 min
